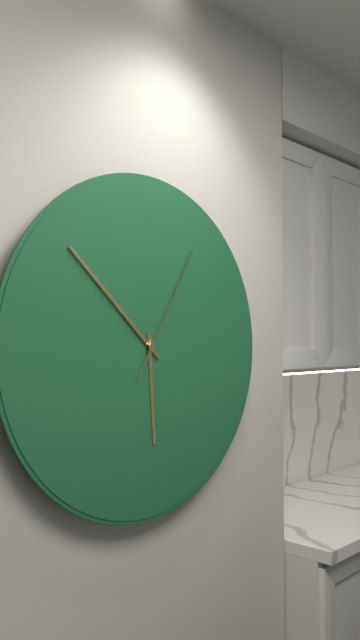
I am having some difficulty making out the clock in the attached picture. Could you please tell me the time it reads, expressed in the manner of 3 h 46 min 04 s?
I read 5 h 52 min 05 s
